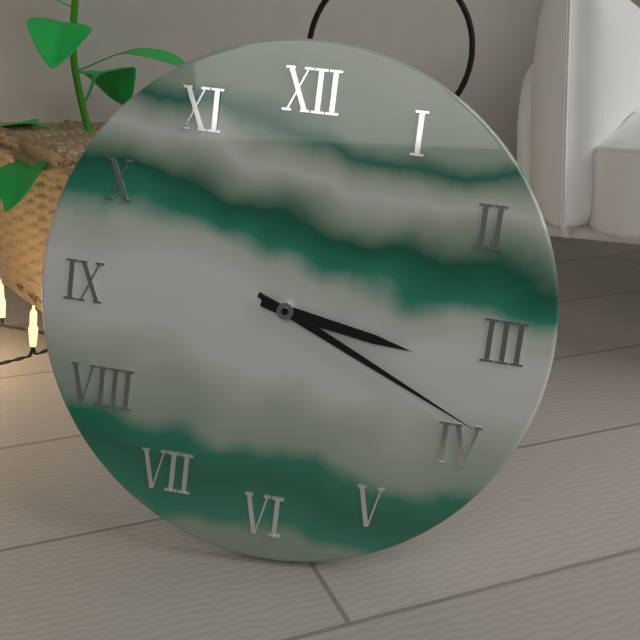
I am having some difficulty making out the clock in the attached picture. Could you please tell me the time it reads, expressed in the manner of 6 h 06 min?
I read 3 h 19 min
